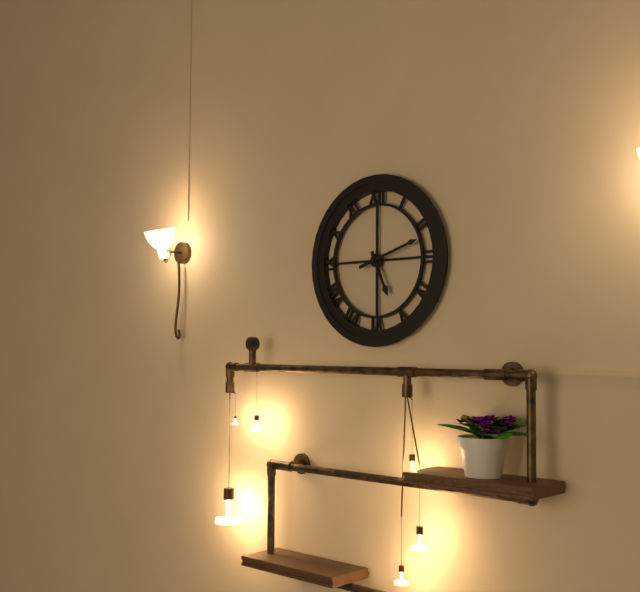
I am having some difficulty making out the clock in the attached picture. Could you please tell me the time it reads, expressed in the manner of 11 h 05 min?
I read 5 h 12 min
